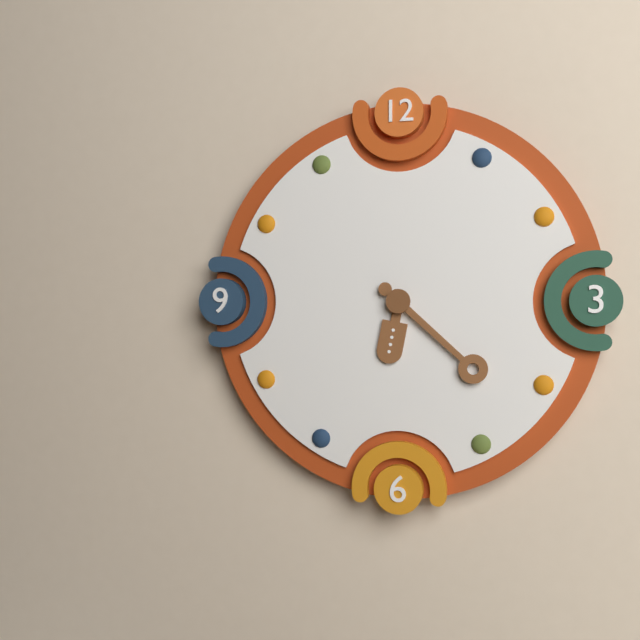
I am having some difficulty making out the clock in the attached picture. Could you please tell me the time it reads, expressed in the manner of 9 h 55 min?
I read 6 h 22 min
